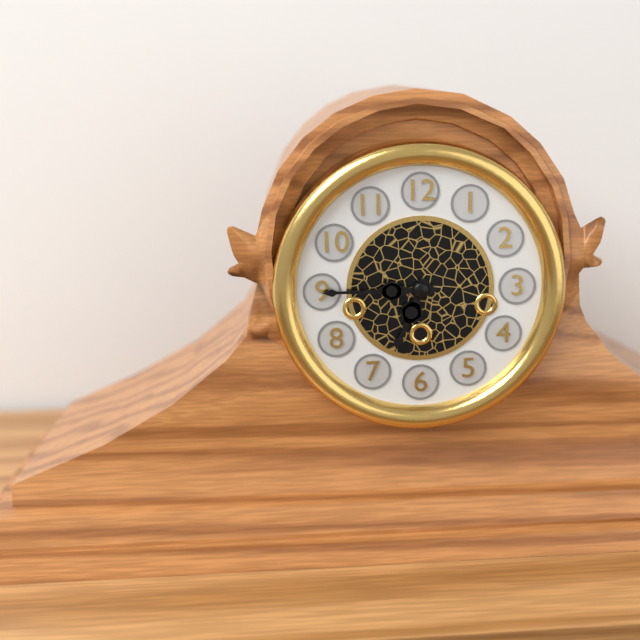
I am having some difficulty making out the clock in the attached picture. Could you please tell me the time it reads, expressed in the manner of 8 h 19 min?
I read 6 h 45 min
